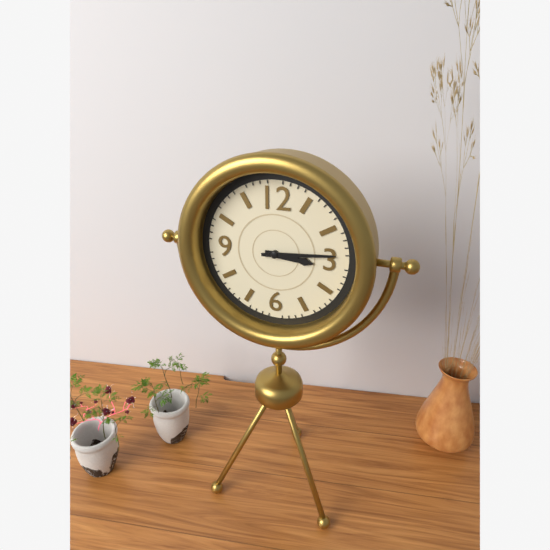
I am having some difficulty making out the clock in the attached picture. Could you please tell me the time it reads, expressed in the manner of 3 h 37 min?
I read 3 h 14 min
